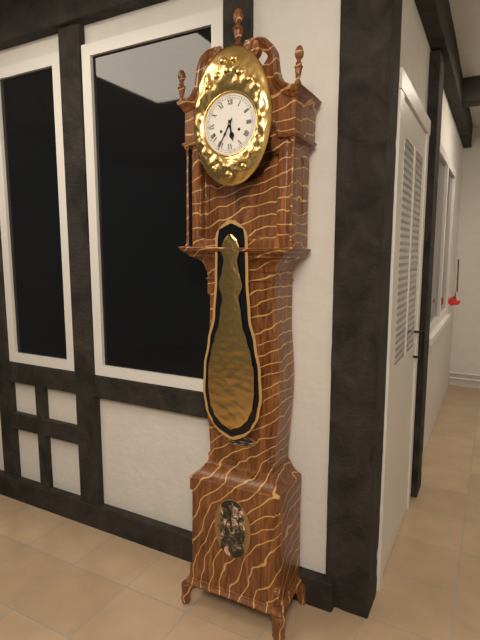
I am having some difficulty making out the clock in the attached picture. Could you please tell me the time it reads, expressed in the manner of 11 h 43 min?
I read 5 h 35 min
